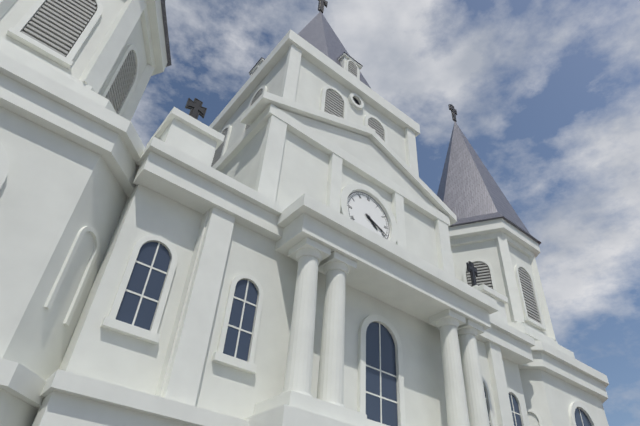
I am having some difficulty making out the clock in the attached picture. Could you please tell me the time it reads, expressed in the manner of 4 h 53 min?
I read 4 h 19 min
